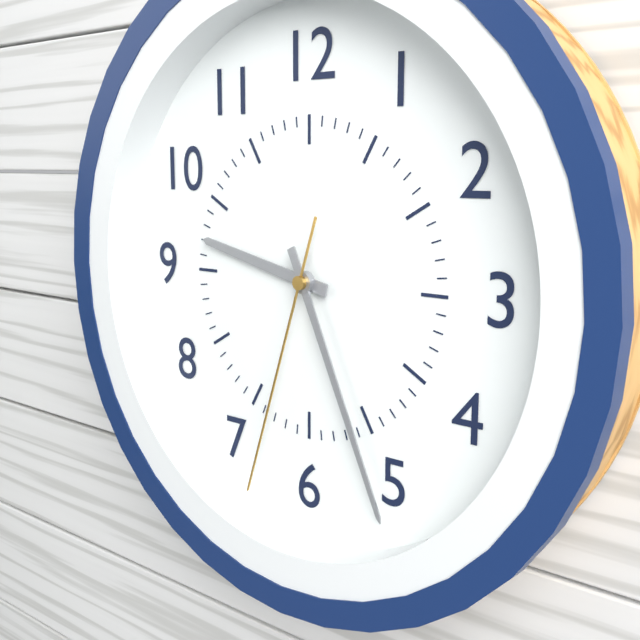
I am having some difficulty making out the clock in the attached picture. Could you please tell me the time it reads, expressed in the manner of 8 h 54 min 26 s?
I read 9 h 26 min 33 s
